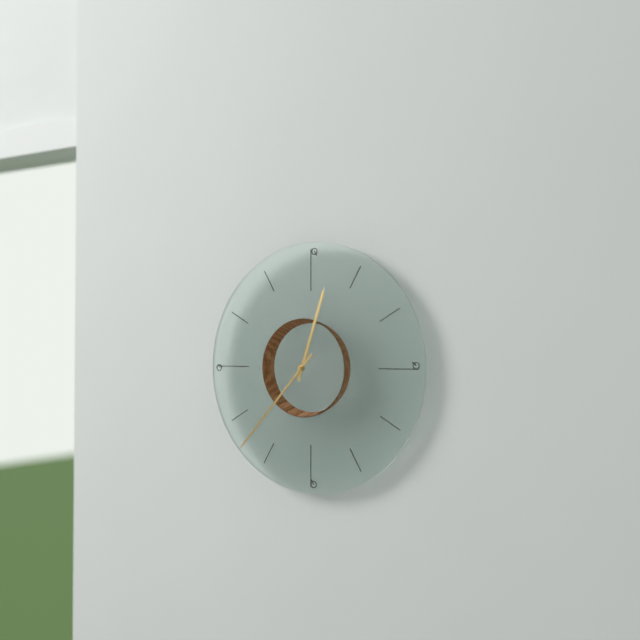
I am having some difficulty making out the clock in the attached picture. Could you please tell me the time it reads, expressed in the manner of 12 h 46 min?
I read 12 h 37 min
